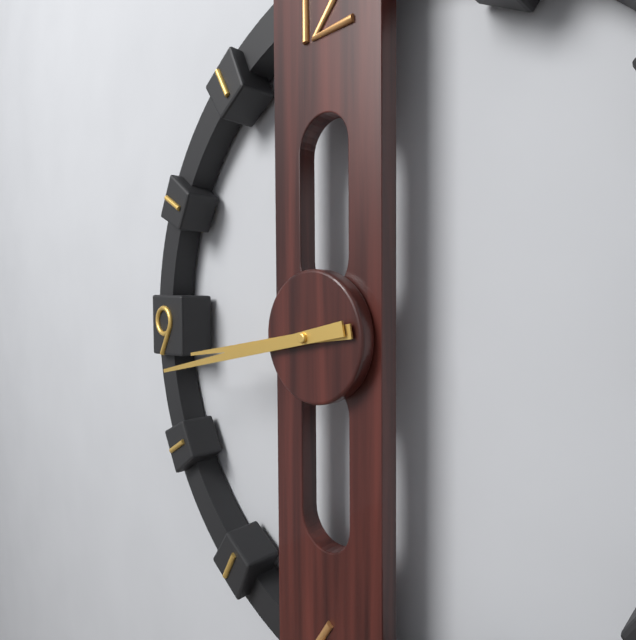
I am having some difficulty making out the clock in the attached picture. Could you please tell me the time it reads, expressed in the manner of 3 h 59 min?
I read 8 h 43 min
